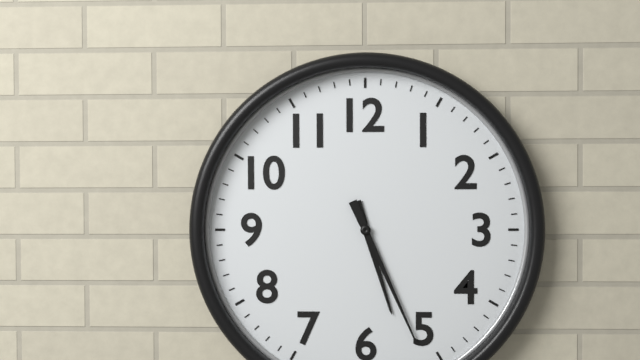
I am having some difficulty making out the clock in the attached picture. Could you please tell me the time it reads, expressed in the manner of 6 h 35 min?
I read 5 h 26 min
